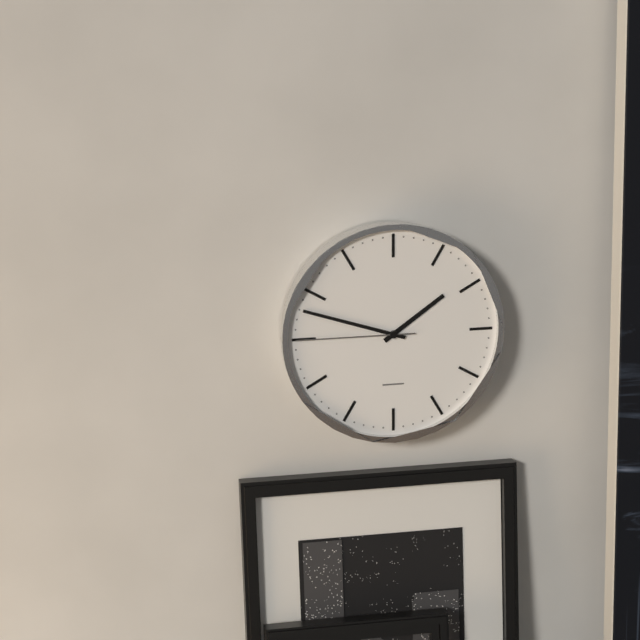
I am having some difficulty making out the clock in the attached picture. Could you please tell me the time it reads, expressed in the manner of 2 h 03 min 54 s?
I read 1 h 48 min 45 s
